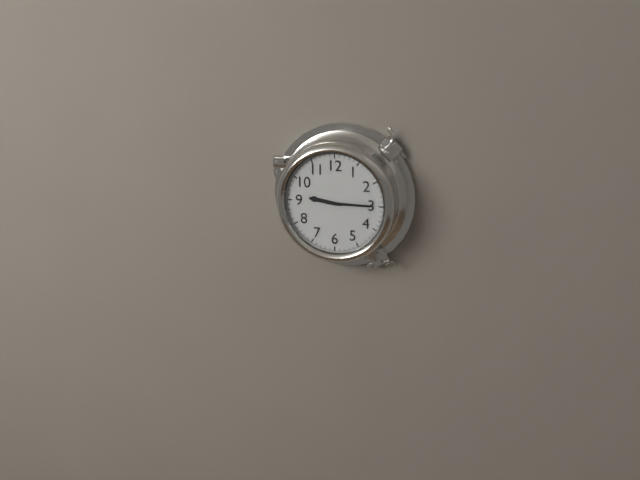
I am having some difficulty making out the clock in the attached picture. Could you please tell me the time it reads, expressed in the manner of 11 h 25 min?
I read 9 h 15 min
